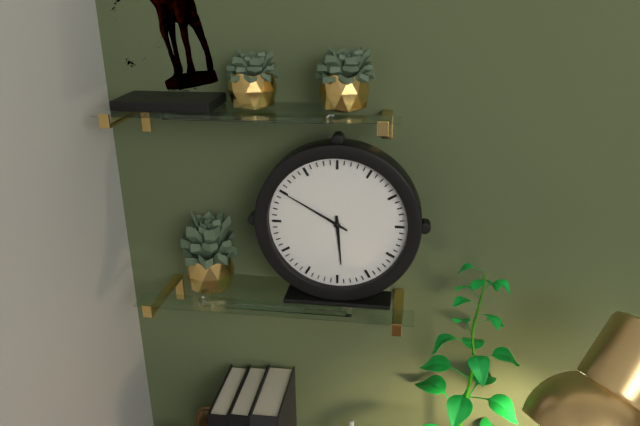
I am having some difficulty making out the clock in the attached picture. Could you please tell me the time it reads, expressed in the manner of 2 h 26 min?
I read 5 h 50 min
